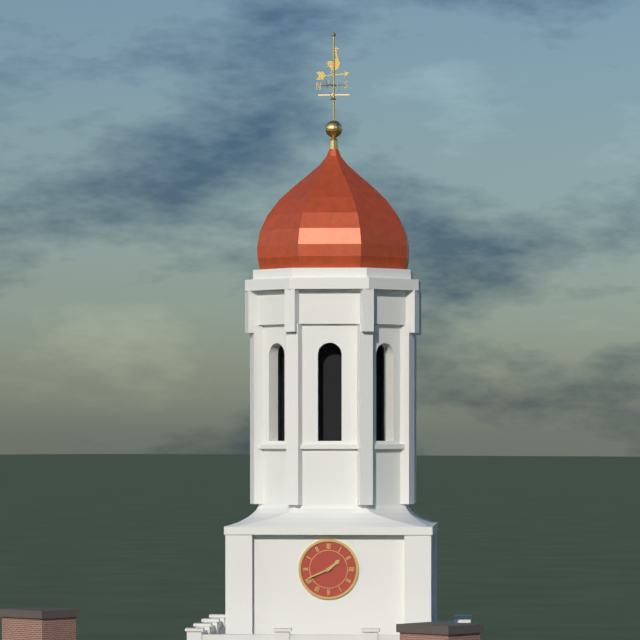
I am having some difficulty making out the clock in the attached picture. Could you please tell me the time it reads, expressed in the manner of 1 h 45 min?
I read 1 h 41 min
